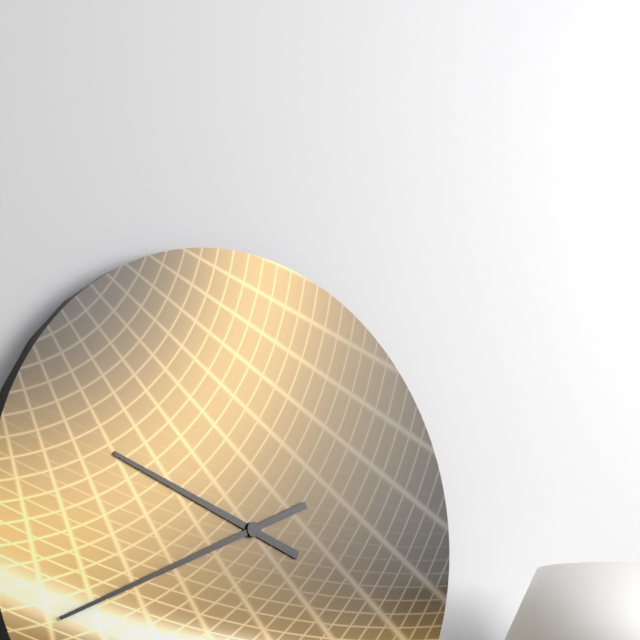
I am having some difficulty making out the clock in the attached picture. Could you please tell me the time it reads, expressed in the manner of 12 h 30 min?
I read 9 h 41 min
